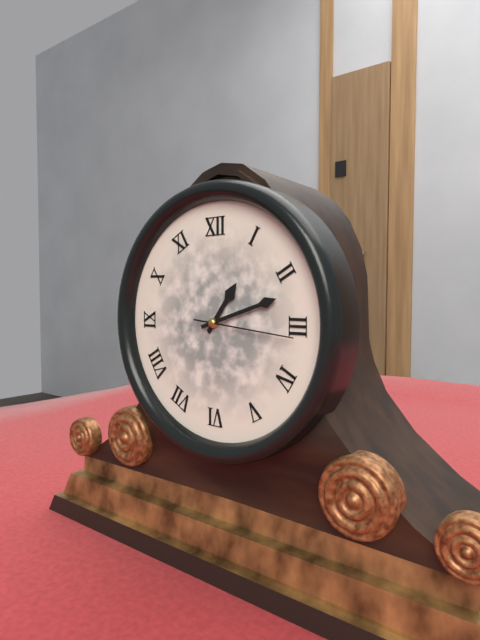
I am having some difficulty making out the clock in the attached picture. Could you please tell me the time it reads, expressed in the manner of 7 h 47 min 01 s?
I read 1 h 12 min 16 s
